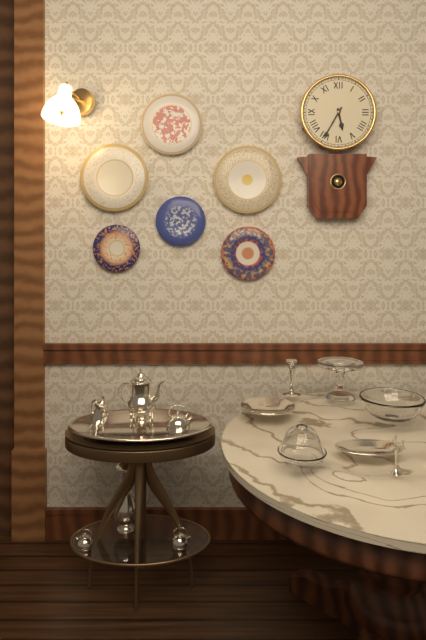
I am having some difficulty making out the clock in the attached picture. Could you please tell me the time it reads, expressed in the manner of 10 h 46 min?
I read 5 h 35 min
